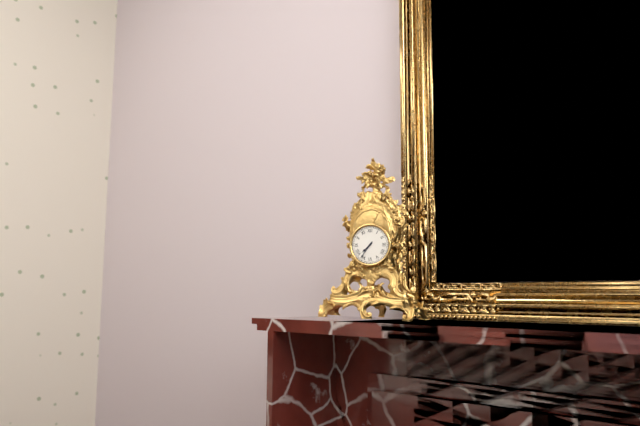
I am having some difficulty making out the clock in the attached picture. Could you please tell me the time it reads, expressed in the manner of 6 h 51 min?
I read 7 h 36 min
